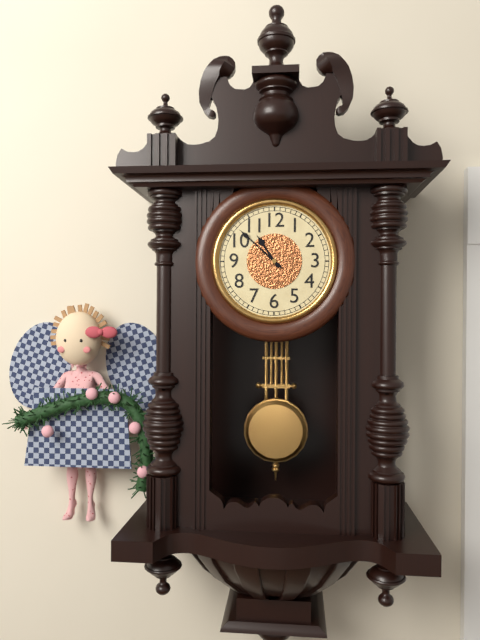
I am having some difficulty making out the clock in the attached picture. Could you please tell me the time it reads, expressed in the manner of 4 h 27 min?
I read 10 h 52 min
